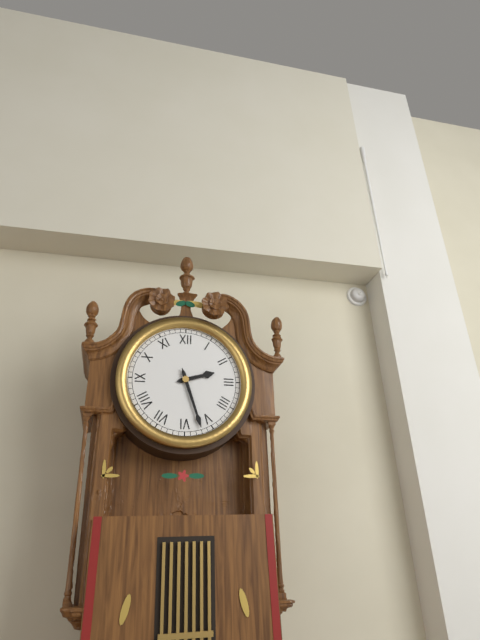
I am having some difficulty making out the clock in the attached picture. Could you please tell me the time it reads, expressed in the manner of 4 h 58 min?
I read 2 h 27 min
